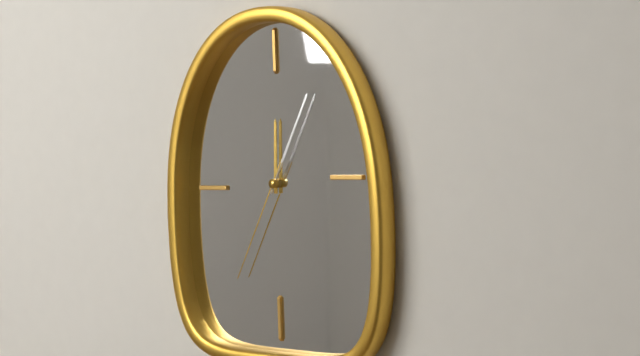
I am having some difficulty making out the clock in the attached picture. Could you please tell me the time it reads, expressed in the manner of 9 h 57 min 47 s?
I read 12 h 05 min 35 s
